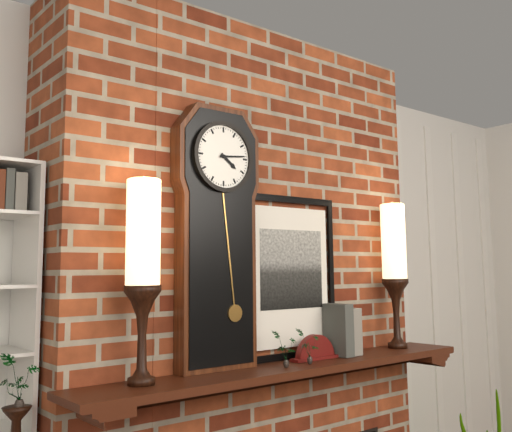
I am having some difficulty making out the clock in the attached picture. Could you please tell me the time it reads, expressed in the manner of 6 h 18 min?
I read 4 h 14 min
